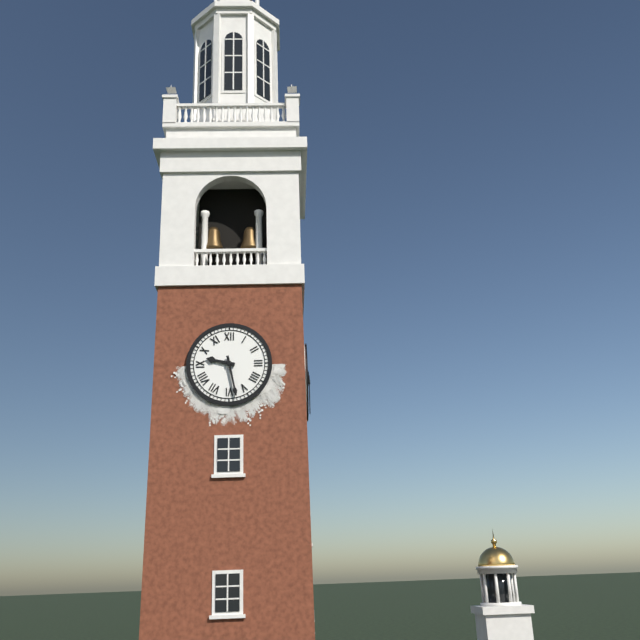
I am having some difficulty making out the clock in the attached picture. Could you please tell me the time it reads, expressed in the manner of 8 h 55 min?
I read 9 h 28 min
